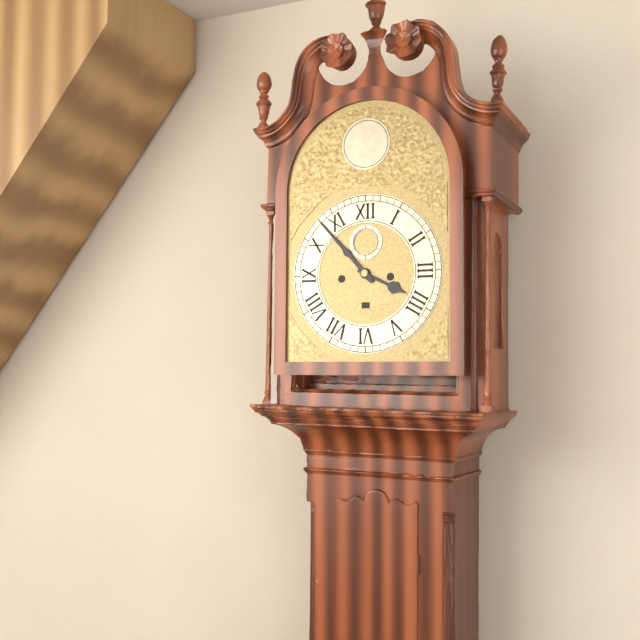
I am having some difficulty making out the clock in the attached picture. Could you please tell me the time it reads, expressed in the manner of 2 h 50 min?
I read 3 h 53 min
